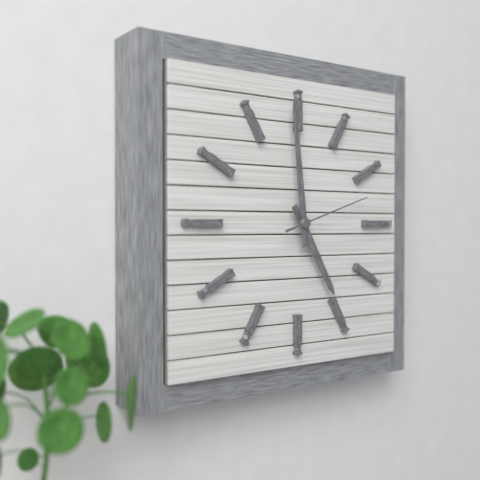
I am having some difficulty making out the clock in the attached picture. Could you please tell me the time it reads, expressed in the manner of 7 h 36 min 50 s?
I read 4 h 59 min 12 s
